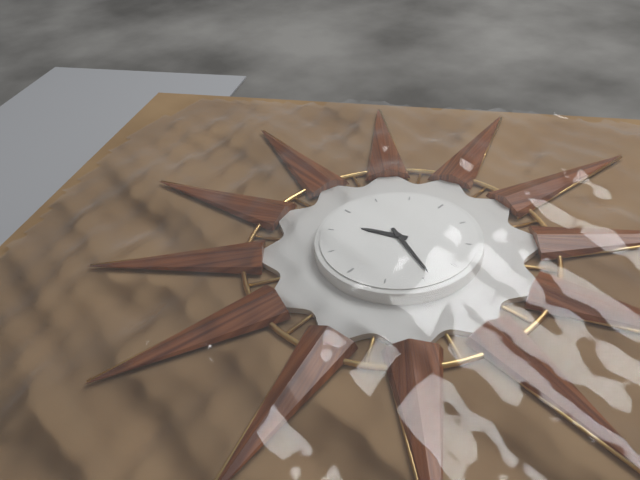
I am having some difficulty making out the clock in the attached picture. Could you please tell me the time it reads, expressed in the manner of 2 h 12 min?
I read 8 h 19 min
